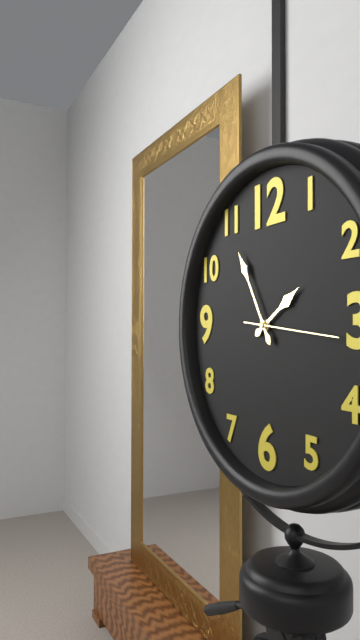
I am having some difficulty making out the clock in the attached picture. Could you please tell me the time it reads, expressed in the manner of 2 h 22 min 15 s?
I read 1 h 55 min 16 s
